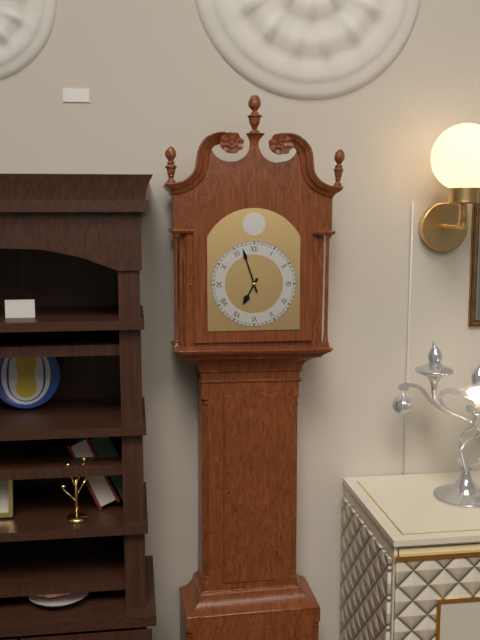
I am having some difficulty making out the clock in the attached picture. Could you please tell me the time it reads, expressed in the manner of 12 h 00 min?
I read 6 h 57 min
